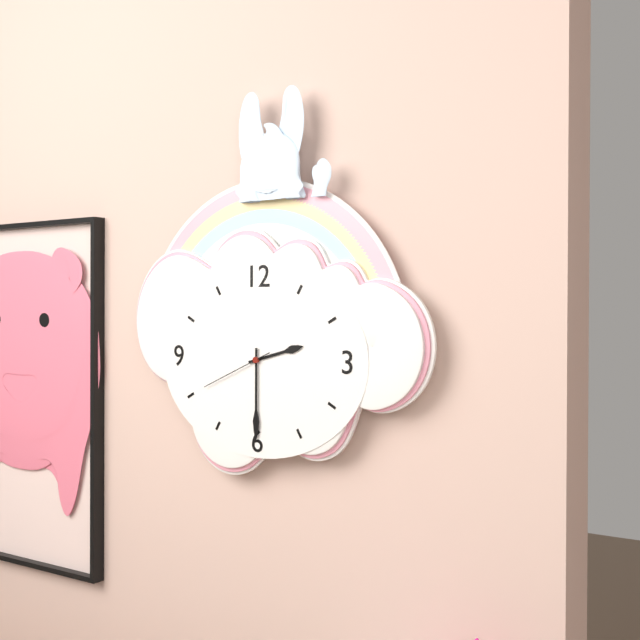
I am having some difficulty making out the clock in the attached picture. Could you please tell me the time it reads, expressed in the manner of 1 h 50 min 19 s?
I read 2 h 30 min 41 s
